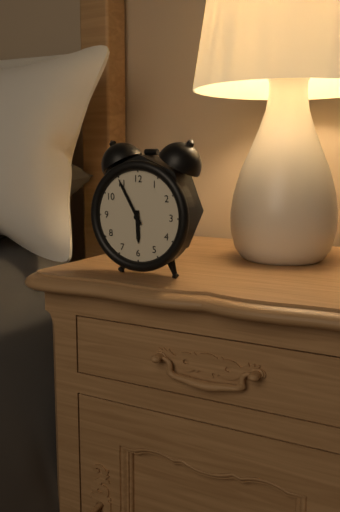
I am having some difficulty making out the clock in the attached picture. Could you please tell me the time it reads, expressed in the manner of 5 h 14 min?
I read 5 h 55 min
